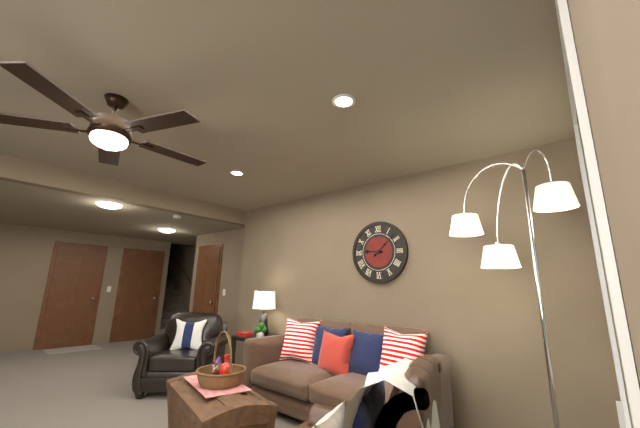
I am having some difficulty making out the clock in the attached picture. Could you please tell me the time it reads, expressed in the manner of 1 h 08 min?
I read 9 h 08 min
